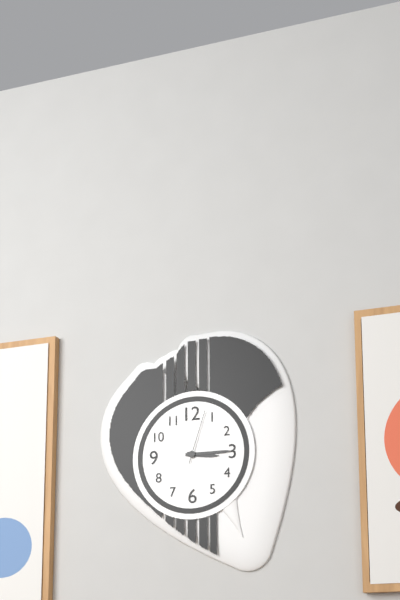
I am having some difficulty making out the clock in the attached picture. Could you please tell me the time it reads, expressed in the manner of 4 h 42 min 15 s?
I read 3 h 15 min 03 s
